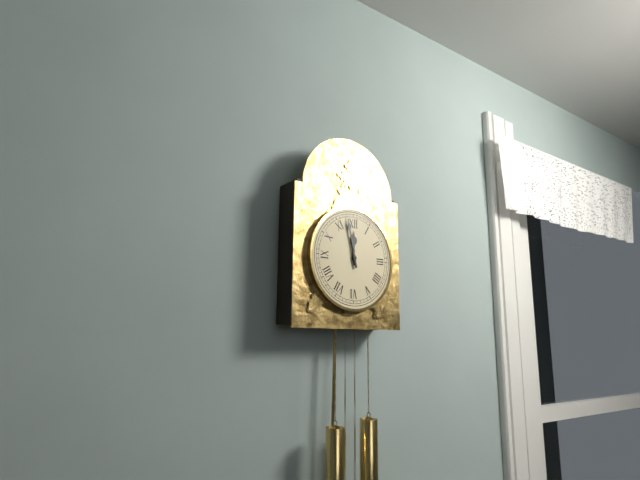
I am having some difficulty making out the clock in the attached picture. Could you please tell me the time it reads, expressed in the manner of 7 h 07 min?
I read 11 h 58 min
